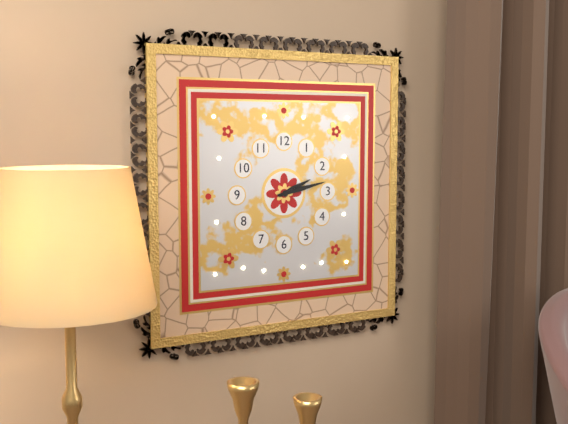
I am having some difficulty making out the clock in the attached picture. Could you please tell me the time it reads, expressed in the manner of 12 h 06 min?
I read 2 h 13 min
